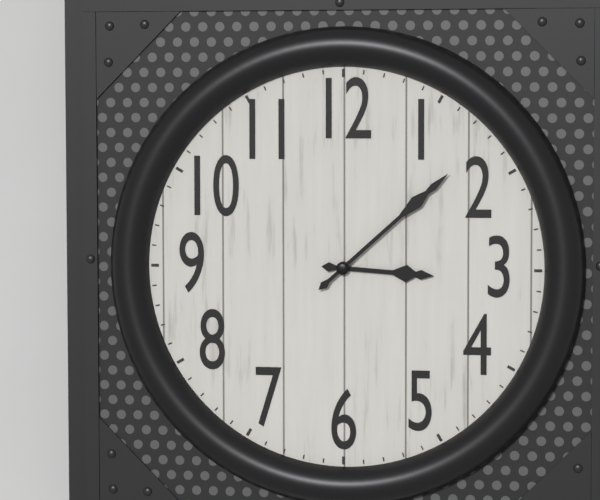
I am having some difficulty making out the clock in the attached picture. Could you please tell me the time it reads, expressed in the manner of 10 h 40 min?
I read 3 h 08 min
